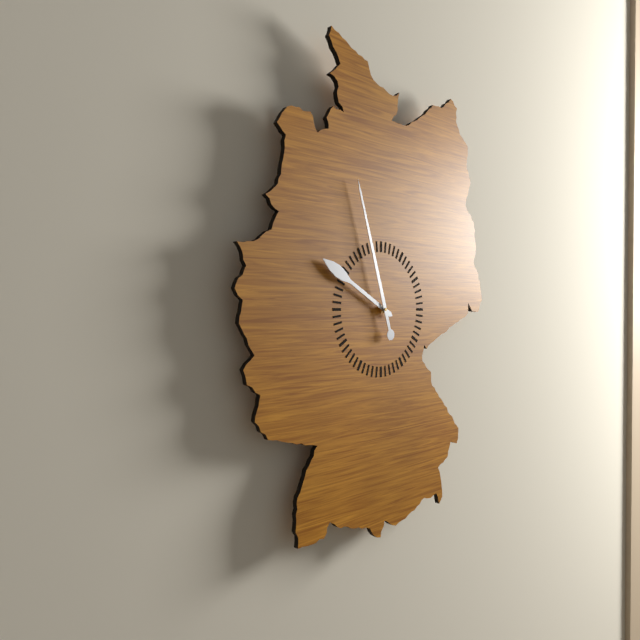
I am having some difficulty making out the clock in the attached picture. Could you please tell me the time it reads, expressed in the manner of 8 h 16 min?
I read 9 h 57 min
